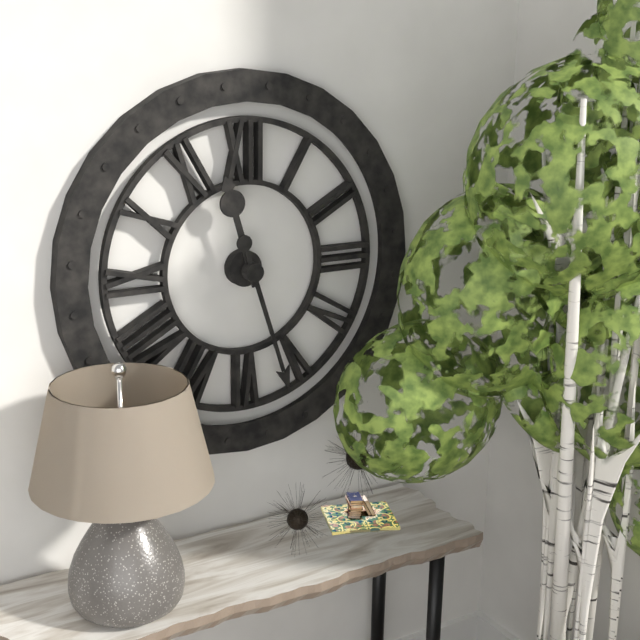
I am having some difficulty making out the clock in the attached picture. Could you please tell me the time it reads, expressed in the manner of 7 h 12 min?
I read 11 h 27 min
